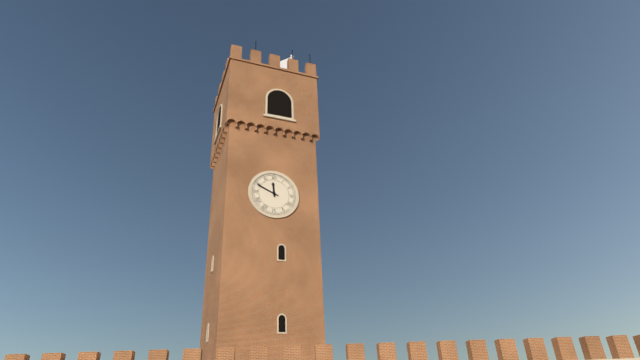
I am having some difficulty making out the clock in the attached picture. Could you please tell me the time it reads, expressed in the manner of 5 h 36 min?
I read 11 h 49 min
